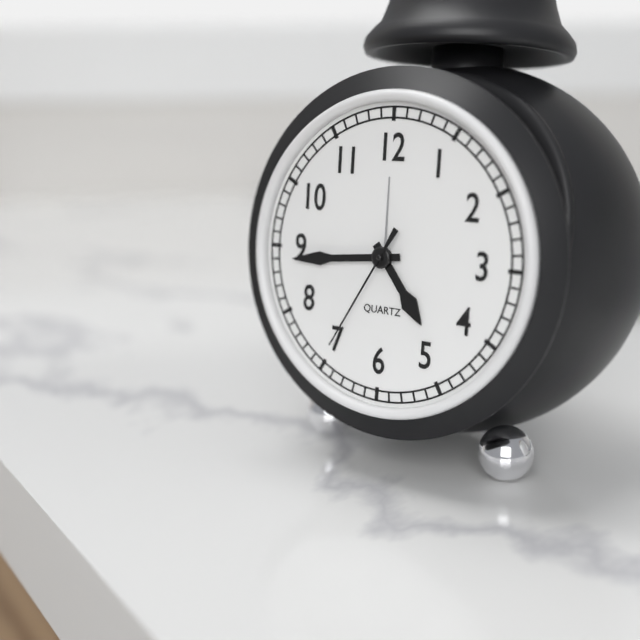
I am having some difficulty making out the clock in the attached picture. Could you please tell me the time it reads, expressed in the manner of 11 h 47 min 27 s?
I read 4 h 44 min 35 s
